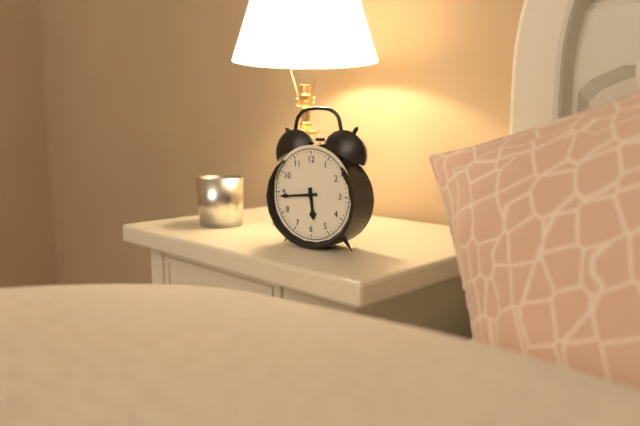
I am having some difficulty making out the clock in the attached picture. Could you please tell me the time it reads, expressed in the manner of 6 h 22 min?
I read 5 h 44 min
